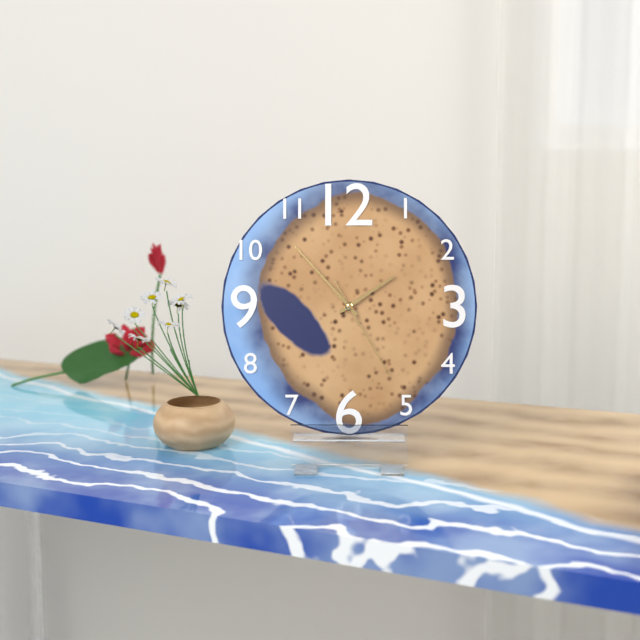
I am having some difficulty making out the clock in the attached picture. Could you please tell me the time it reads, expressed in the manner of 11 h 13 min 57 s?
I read 1 h 53 min 25 s
